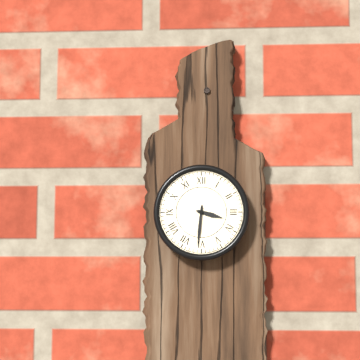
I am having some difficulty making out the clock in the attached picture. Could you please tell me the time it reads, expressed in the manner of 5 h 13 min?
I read 3 h 31 min
